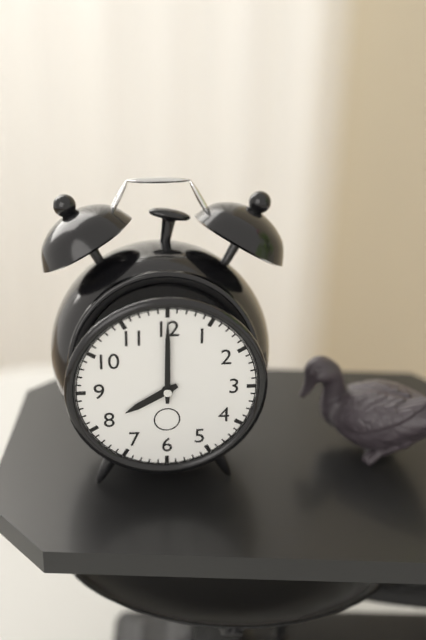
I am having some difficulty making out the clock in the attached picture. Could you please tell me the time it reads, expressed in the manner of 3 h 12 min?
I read 8 h 00 min
